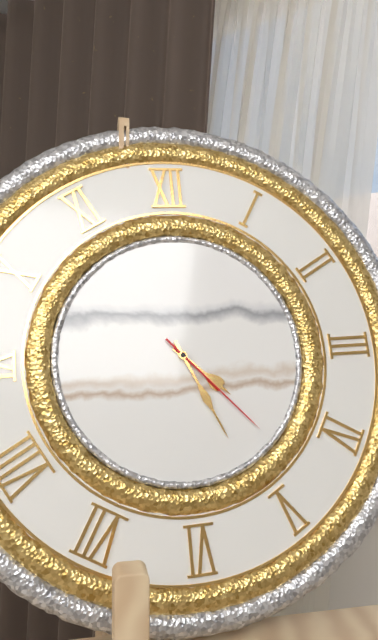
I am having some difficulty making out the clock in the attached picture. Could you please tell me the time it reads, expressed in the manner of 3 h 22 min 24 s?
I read 4 h 26 min 23 s
